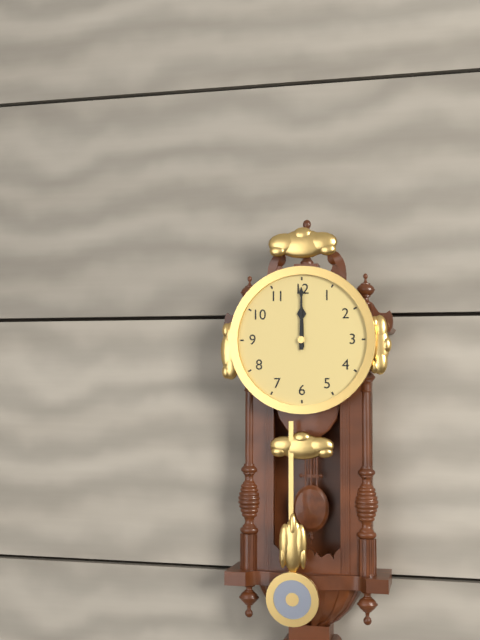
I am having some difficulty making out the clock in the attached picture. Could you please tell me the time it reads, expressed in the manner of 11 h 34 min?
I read 12 h 00 min
